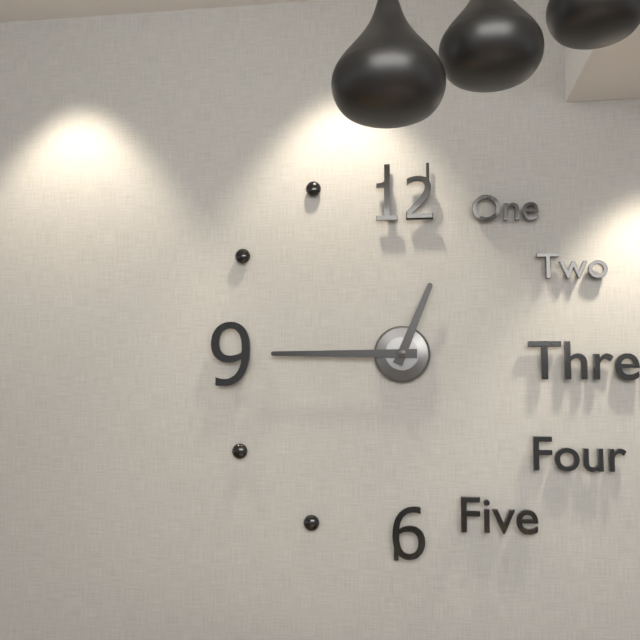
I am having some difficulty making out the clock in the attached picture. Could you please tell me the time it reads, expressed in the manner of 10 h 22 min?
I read 12 h 45 min
